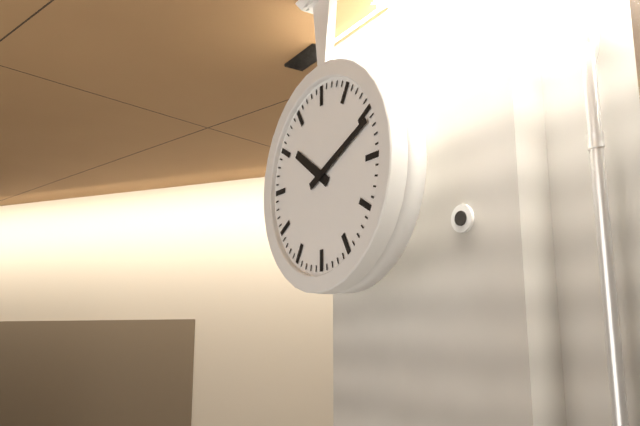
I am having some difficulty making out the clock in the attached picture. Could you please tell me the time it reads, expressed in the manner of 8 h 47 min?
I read 10 h 11 min
